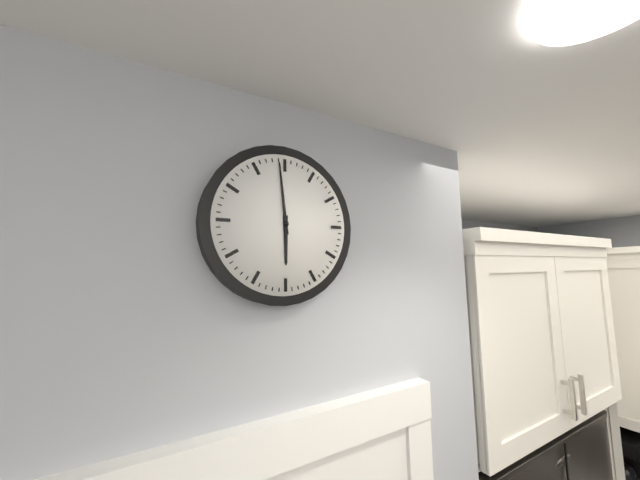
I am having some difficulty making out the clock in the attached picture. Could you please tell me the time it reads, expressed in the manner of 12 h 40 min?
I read 5 h 59 min
